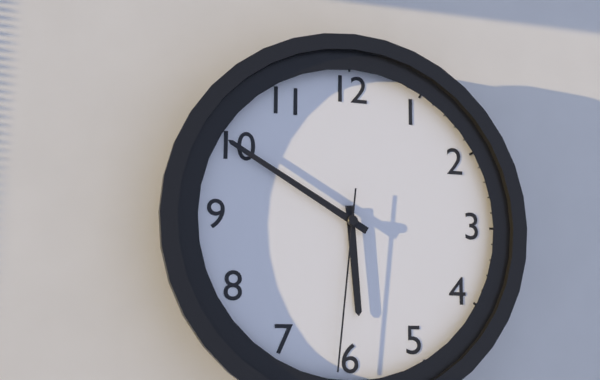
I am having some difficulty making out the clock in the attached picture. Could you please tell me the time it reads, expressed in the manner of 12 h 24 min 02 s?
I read 5 h 50 min 31 s
